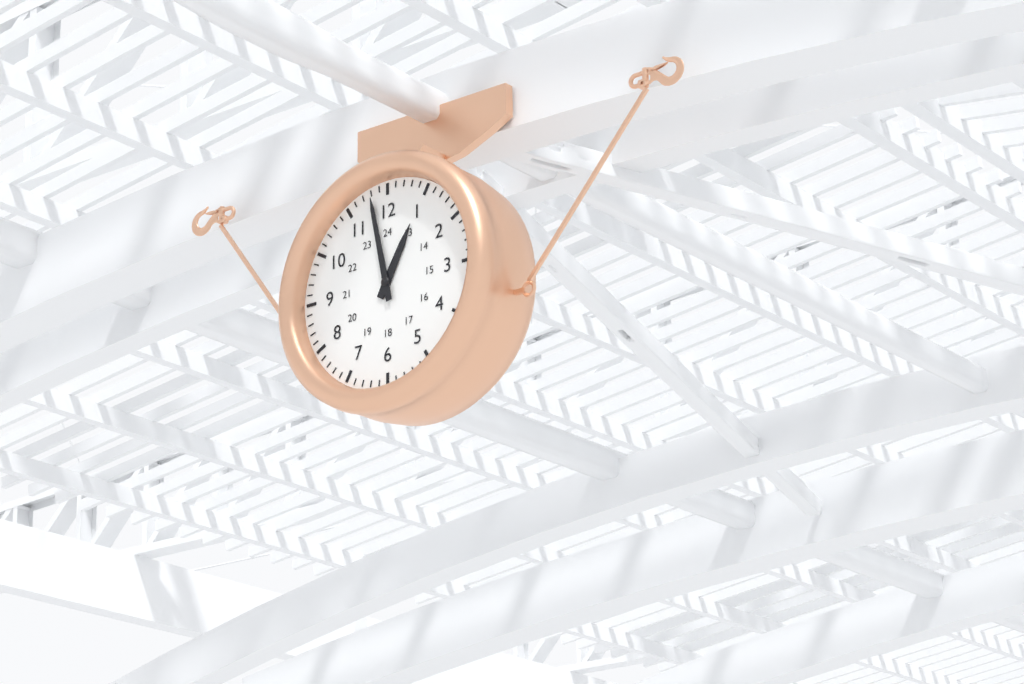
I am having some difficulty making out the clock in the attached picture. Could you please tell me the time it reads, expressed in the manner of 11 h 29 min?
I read 12 h 58 min
